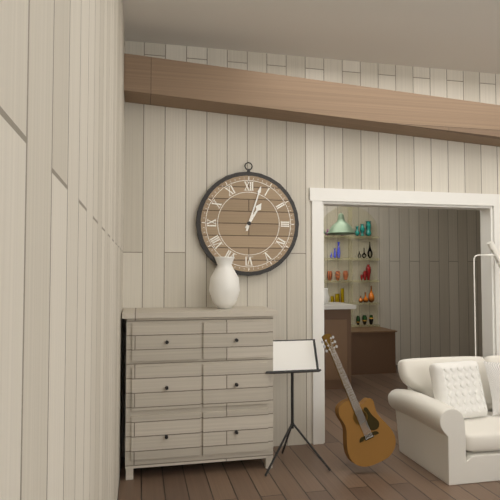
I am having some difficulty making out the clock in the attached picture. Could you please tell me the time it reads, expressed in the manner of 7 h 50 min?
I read 1 h 03 min
